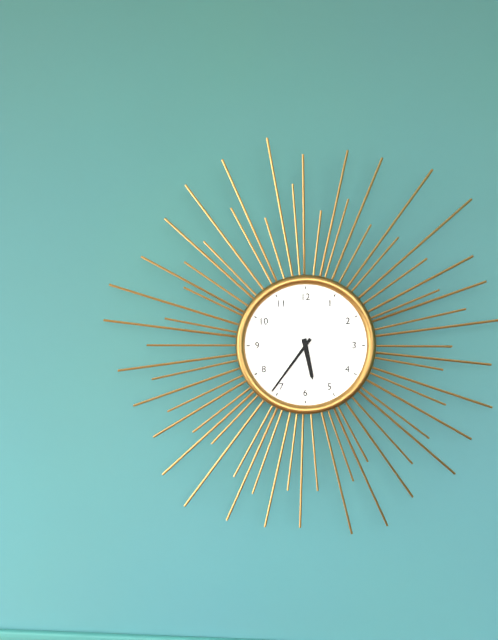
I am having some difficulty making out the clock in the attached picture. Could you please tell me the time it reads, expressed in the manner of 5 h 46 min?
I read 5 h 36 min
